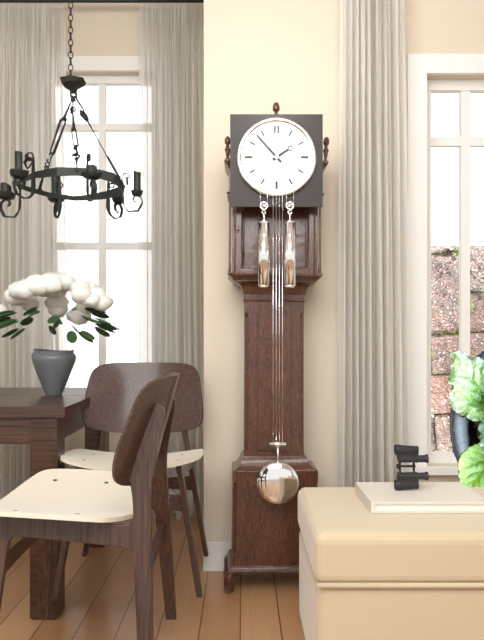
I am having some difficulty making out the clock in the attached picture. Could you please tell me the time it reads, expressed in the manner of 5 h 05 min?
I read 1 h 53 min
